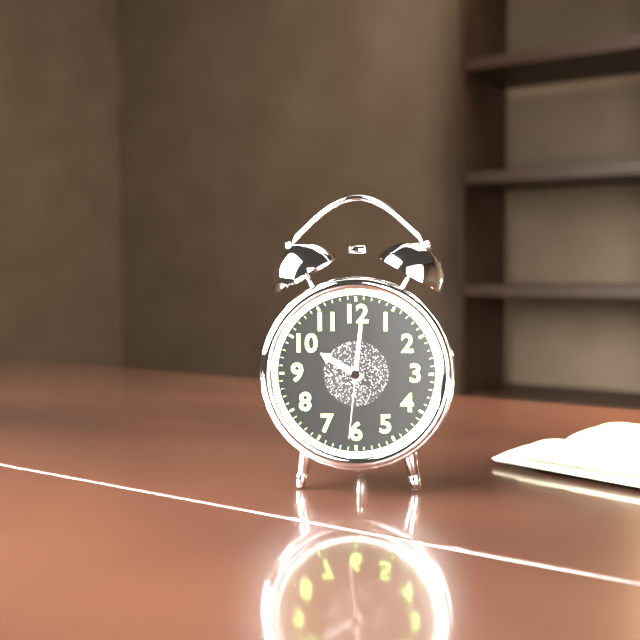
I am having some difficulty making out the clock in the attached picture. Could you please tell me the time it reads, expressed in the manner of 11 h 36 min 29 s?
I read 10 h 01 min 31 s
